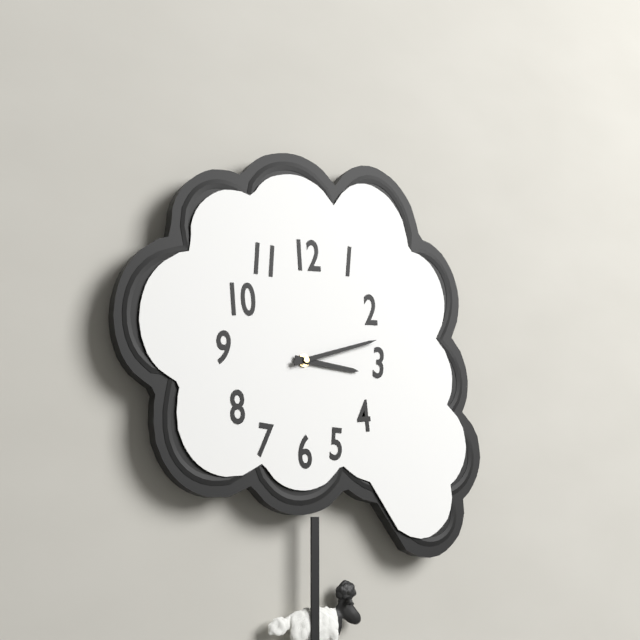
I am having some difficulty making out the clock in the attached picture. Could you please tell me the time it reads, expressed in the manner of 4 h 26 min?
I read 3 h 12 min
